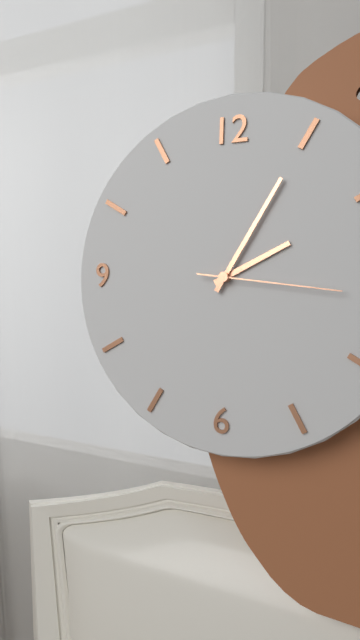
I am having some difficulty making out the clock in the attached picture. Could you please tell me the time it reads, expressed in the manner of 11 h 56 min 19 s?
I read 2 h 05 min 16 s
